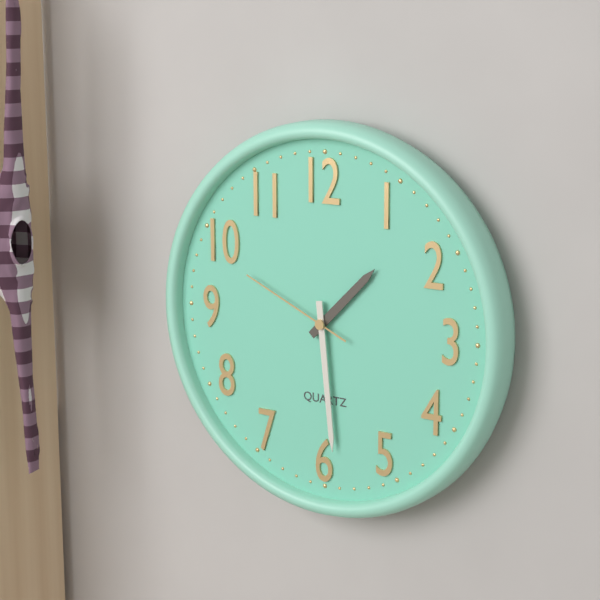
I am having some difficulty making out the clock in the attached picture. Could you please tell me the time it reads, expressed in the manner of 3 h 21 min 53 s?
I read 1 h 29 min 49 s
